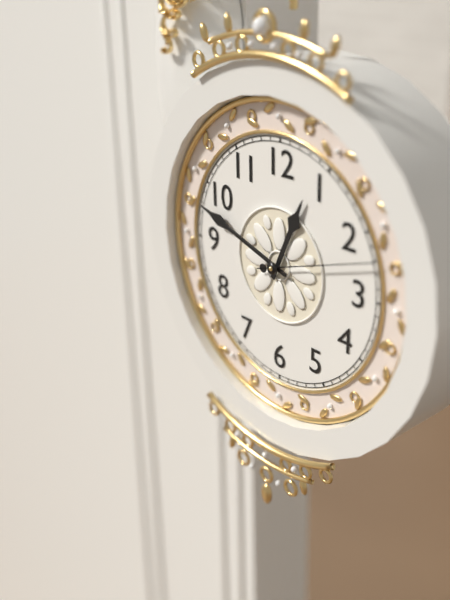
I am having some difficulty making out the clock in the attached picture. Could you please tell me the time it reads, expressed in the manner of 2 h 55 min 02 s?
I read 12 h 48 min 12 s
